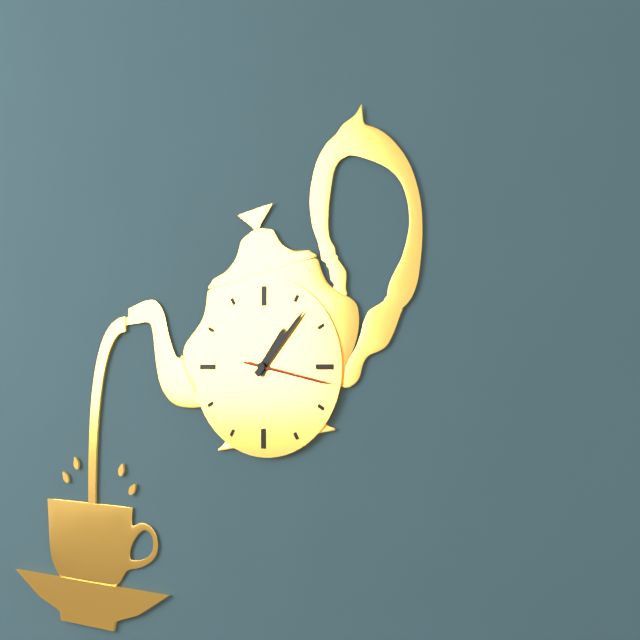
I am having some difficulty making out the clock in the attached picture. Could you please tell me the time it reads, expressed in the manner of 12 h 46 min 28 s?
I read 1 h 07 min 17 s
